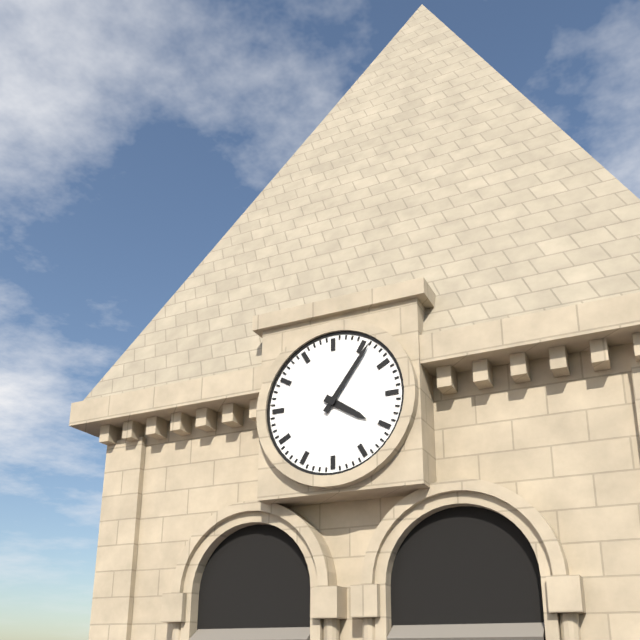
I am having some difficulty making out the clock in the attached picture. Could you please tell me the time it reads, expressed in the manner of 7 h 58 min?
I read 4 h 06 min
